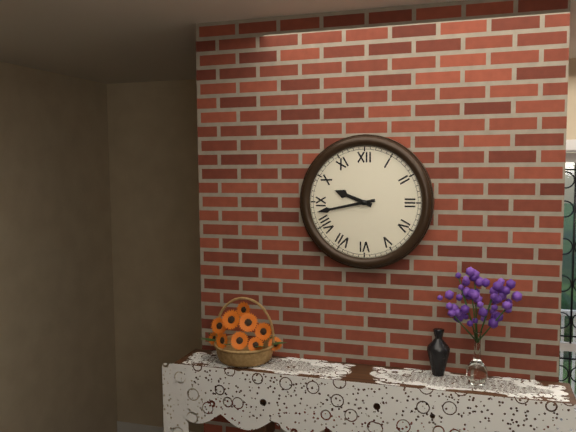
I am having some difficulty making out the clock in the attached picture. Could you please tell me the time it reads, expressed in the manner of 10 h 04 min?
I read 9 h 43 min
